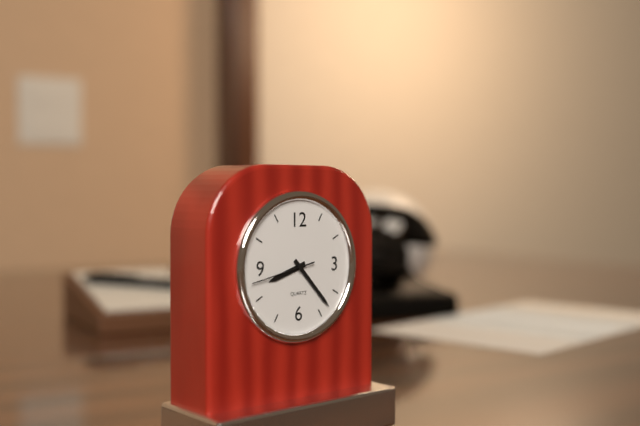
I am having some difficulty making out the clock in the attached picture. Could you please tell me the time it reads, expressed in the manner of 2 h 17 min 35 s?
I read 8 h 23 min 43 s
